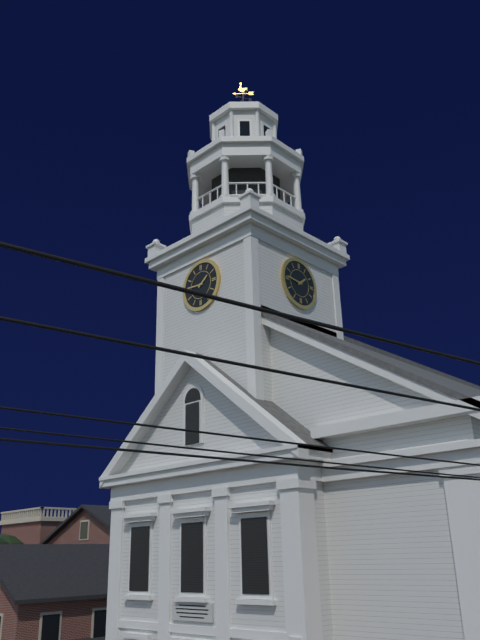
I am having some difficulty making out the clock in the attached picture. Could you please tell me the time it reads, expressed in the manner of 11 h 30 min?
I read 1 h 46 min
